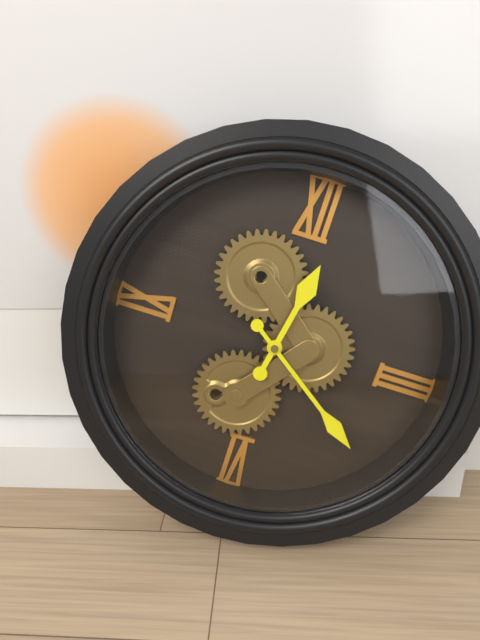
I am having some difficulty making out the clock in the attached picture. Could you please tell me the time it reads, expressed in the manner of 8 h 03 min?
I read 12 h 21 min
